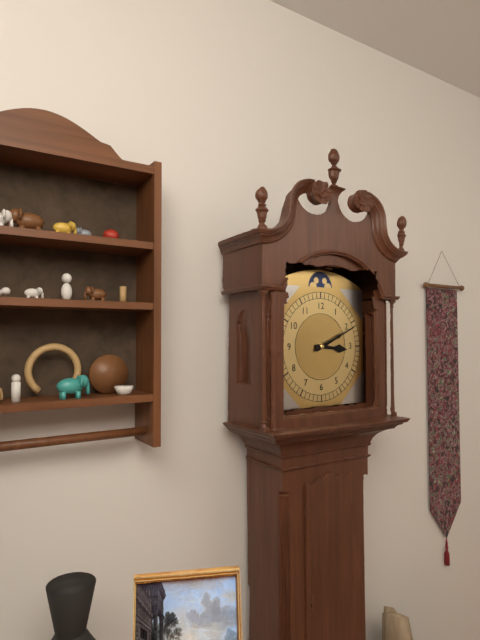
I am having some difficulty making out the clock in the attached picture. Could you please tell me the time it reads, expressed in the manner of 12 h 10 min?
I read 3 h 11 min
